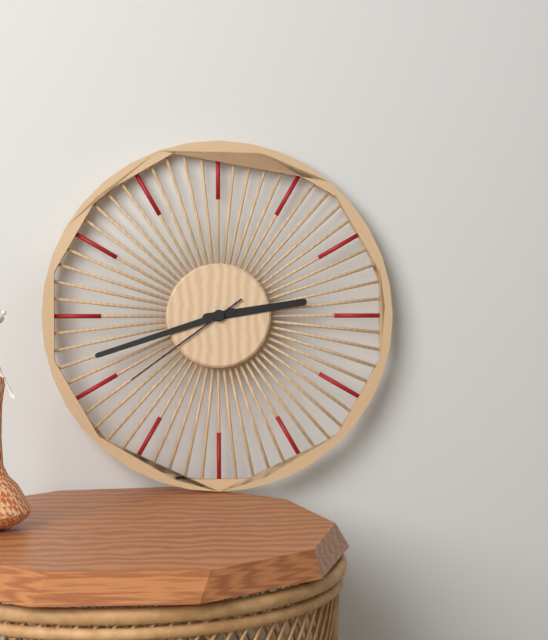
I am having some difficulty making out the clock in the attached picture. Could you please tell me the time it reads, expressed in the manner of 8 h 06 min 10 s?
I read 2 h 42 min 39 s
